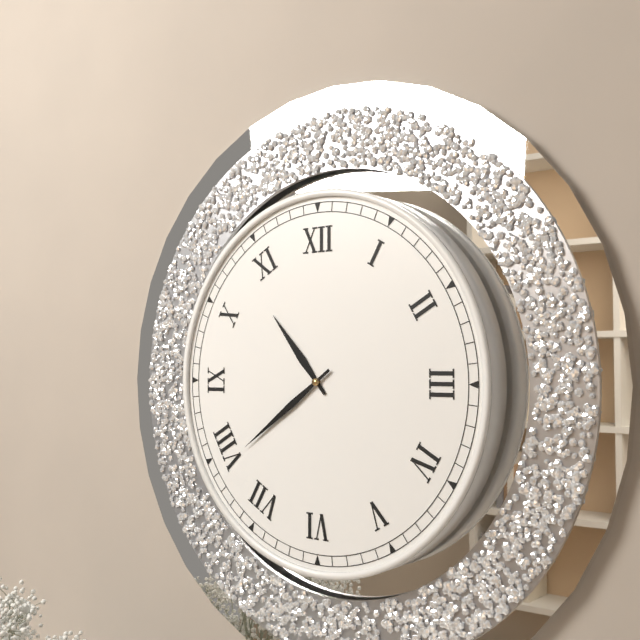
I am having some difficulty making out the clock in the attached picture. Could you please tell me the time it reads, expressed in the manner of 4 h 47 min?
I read 10 h 39 min
